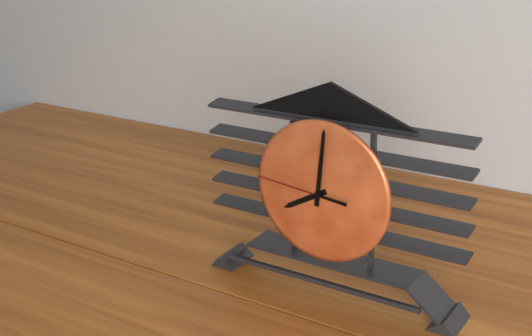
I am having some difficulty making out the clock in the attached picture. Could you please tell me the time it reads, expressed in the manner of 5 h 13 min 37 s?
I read 8 h 01 min 46 s
